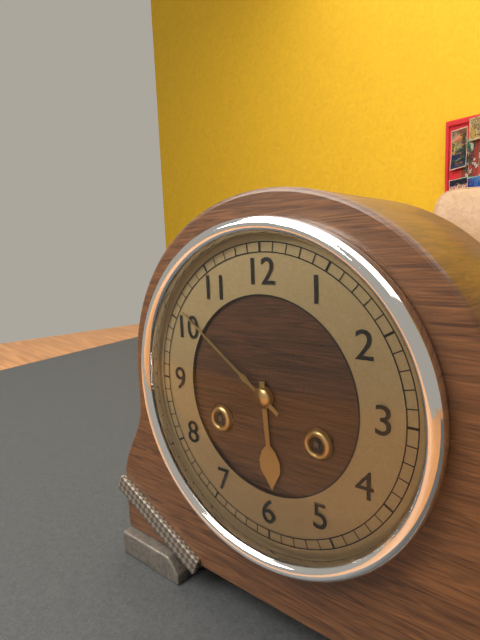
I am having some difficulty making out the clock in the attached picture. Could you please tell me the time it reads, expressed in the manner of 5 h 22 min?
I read 5 h 51 min
